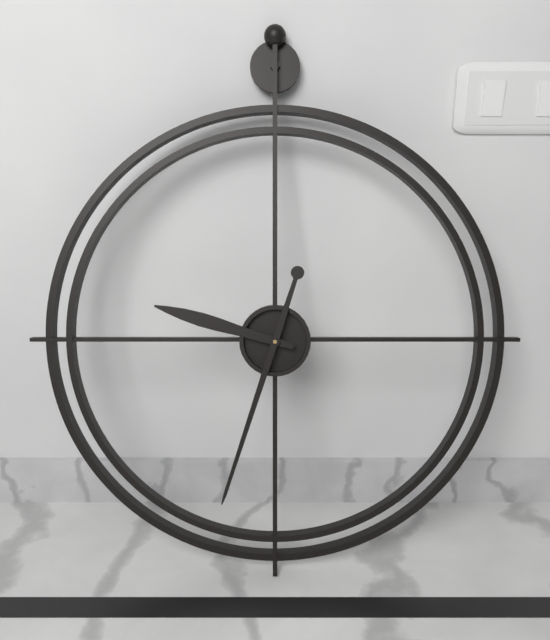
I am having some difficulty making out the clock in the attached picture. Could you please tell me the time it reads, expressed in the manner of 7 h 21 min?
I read 9 h 33 min
